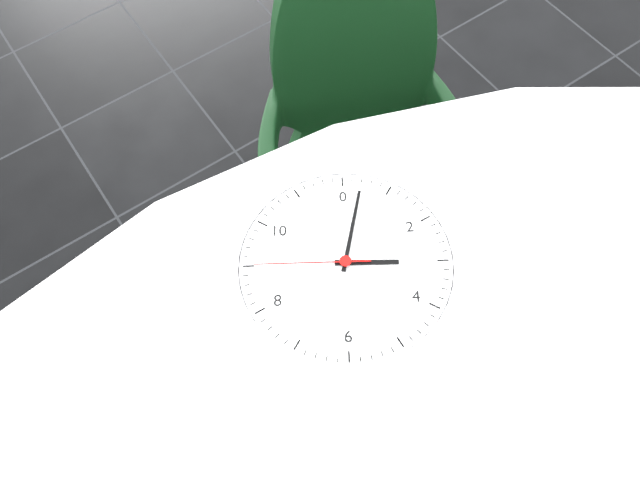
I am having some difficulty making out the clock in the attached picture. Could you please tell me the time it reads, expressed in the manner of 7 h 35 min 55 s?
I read 3 h 02 min 45 s
